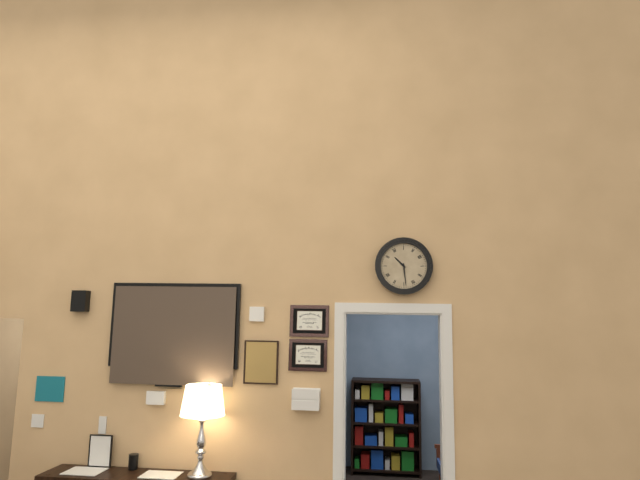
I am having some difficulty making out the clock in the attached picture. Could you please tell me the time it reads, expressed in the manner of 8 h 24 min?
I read 10 h 29 min
